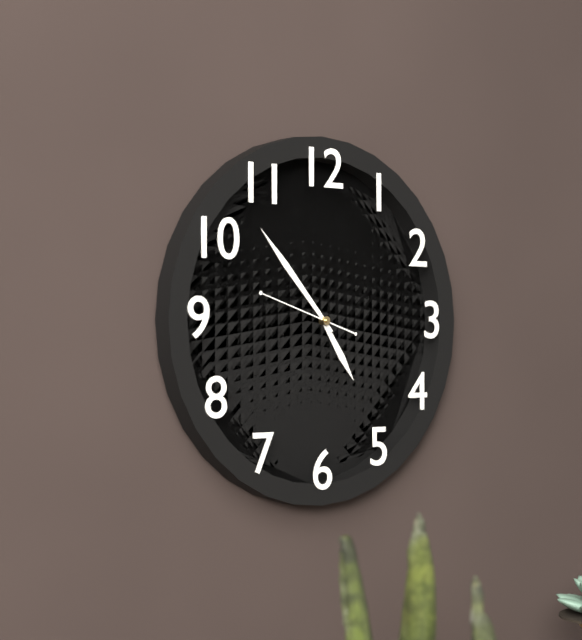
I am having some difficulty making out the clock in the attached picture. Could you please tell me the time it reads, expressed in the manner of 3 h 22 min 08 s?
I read 4 h 53 min 48 s
